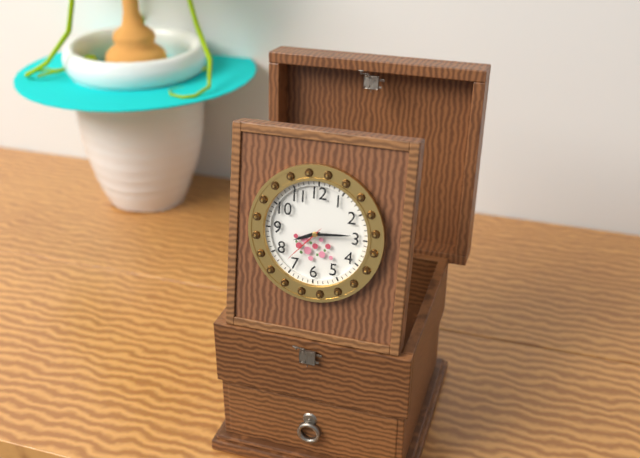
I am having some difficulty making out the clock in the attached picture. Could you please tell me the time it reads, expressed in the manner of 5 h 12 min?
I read 8 h 14 min
